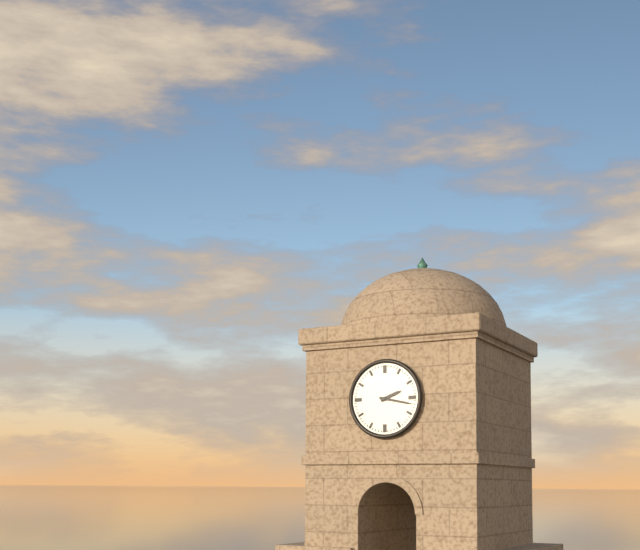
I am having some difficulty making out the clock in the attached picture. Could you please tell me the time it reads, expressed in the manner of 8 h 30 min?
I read 2 h 17 min
